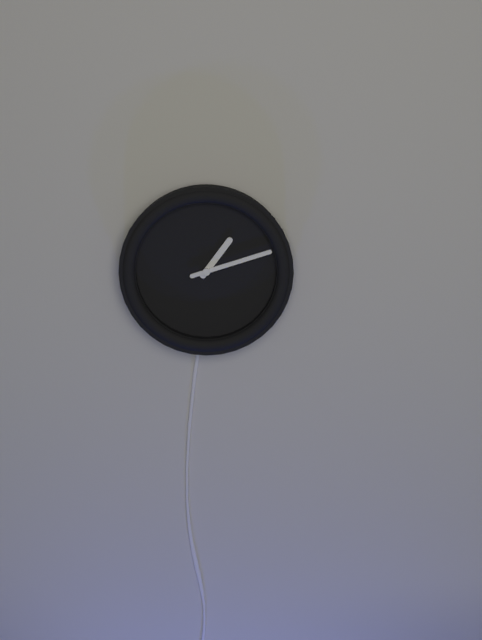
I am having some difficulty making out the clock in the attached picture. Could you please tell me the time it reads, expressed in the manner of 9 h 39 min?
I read 1 h 12 min
